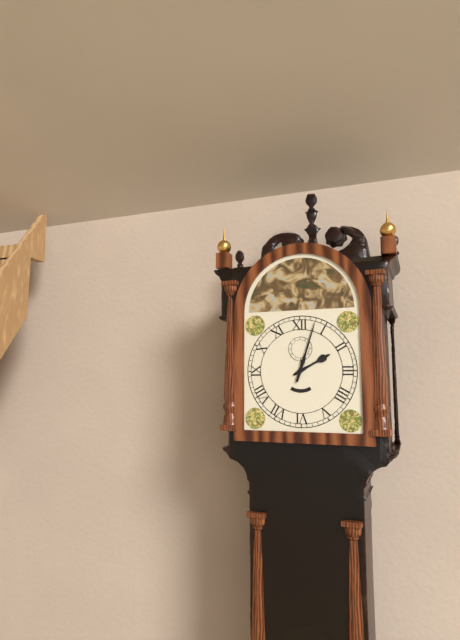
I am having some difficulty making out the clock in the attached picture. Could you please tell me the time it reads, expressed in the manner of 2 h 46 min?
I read 2 h 03 min
